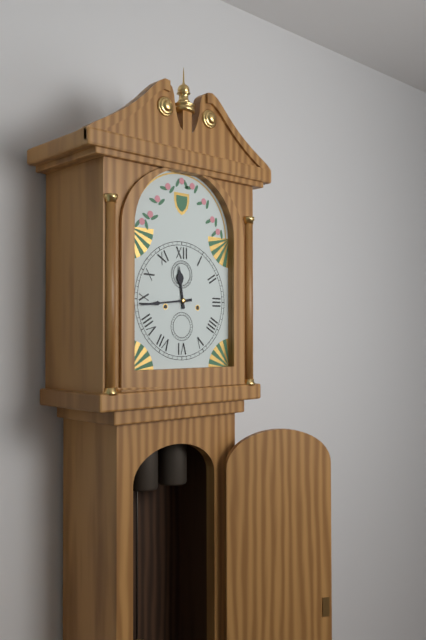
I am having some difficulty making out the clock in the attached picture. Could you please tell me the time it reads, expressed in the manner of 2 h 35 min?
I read 11 h 44 min
